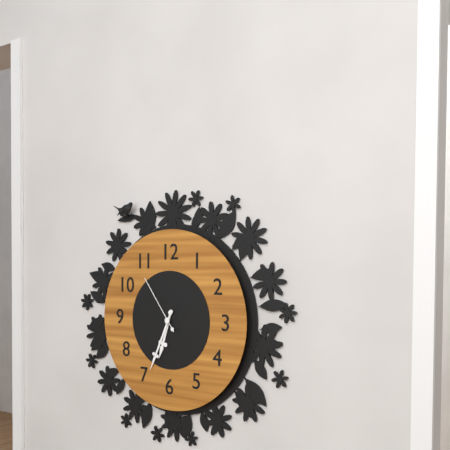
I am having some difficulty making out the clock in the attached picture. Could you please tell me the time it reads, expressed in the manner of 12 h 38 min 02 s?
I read 6 h 34 min 54 s
